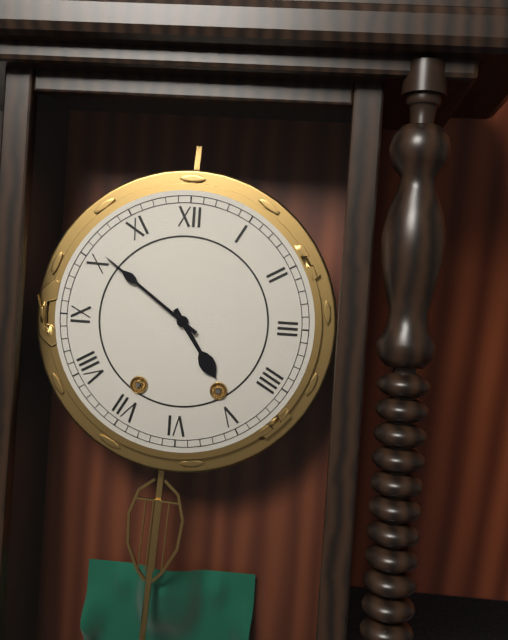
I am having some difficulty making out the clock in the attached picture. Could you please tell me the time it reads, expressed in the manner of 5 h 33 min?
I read 4 h 51 min
